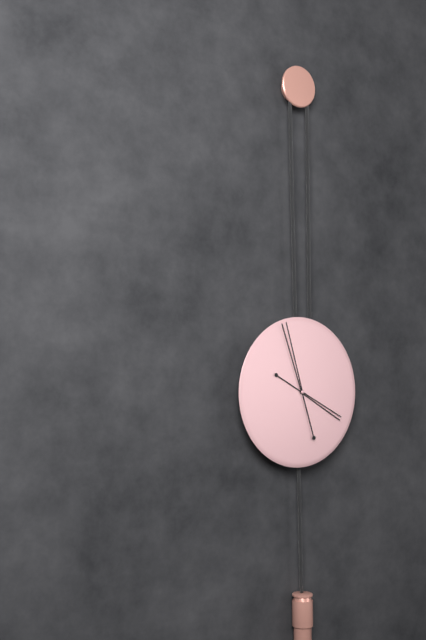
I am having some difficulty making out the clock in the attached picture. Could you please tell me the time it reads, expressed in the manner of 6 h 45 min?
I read 3 h 57 min
